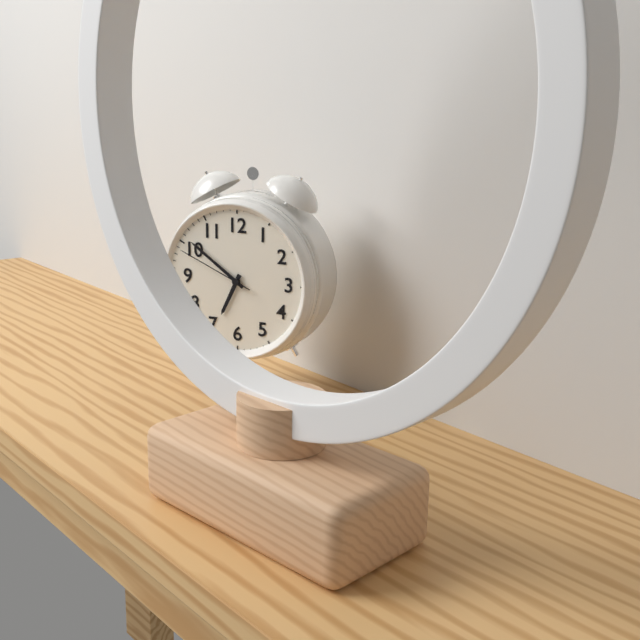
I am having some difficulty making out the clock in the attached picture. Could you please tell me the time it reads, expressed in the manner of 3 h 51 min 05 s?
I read 6 h 51 min 49 s
